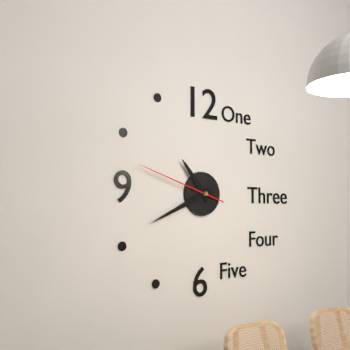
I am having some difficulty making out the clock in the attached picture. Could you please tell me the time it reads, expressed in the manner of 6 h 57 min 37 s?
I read 10 h 41 min 48 s
